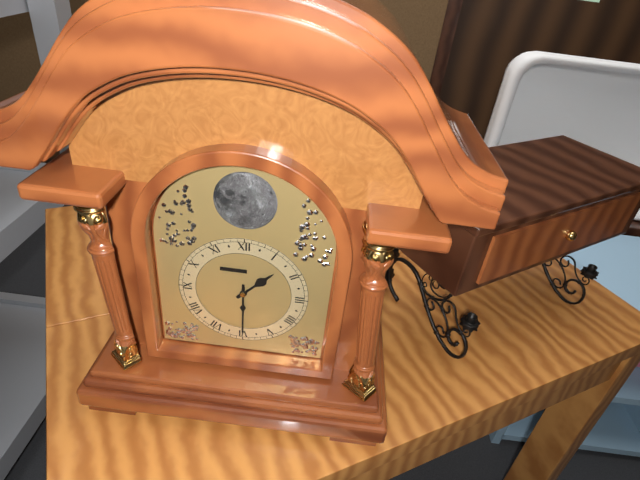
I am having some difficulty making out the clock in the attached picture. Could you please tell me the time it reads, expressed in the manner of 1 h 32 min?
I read 1 h 30 min
